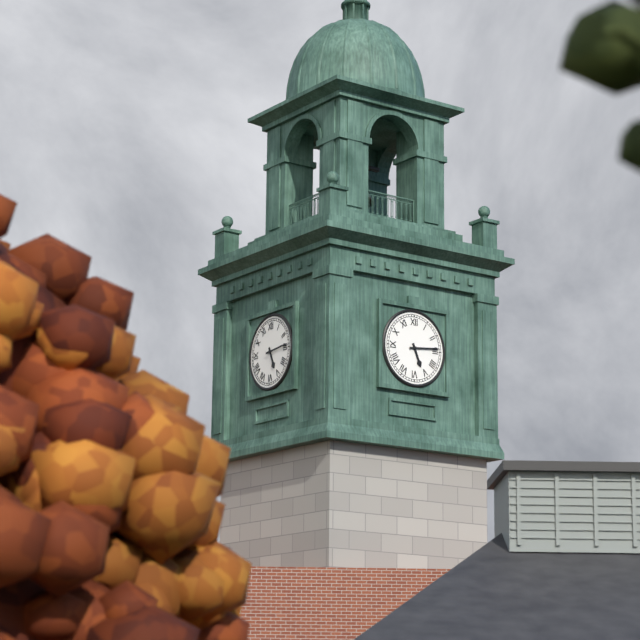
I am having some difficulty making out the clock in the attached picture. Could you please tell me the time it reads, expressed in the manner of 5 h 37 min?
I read 5 h 14 min
